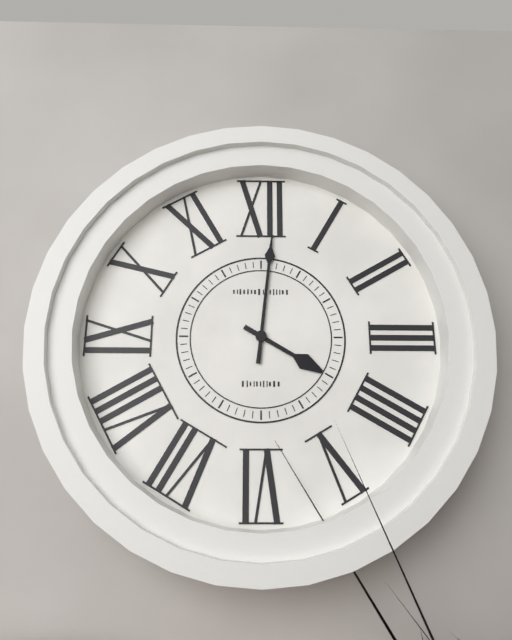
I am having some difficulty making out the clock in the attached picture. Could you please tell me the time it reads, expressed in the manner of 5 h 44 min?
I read 4 h 01 min
